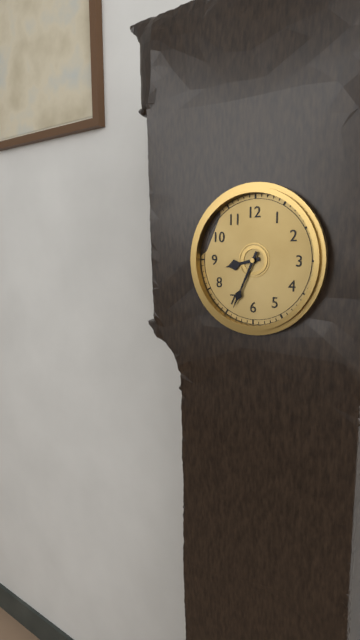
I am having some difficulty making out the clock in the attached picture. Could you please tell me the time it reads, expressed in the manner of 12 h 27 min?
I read 8 h 34 min
